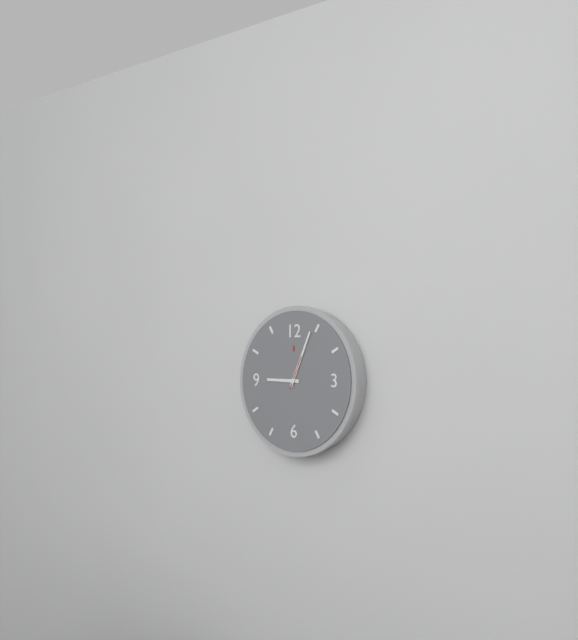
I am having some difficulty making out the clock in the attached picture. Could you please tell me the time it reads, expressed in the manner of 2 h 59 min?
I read 9 h 04 min
